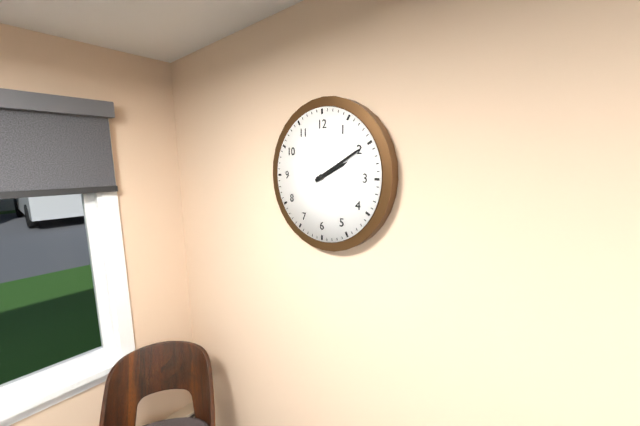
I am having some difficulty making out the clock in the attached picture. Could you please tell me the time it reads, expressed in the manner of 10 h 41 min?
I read 2 h 10 min
